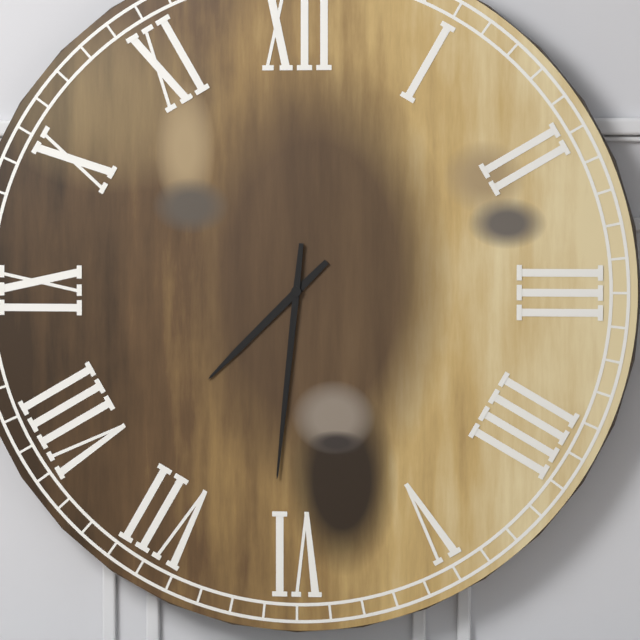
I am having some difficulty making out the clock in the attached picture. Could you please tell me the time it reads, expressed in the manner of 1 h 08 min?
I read 7 h 31 min
